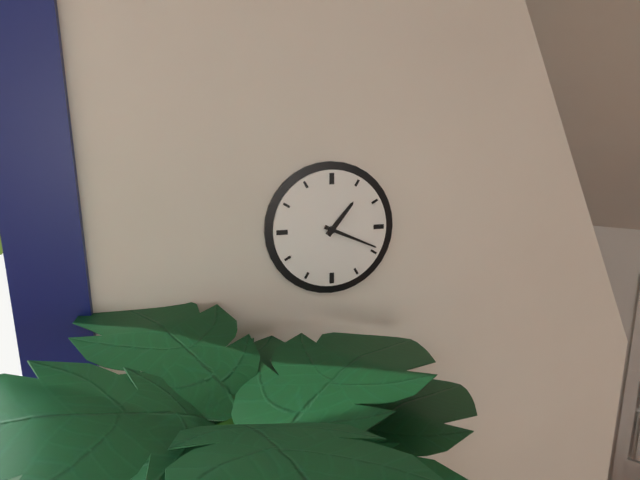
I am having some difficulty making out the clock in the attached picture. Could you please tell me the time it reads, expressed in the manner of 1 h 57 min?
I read 1 h 19 min
